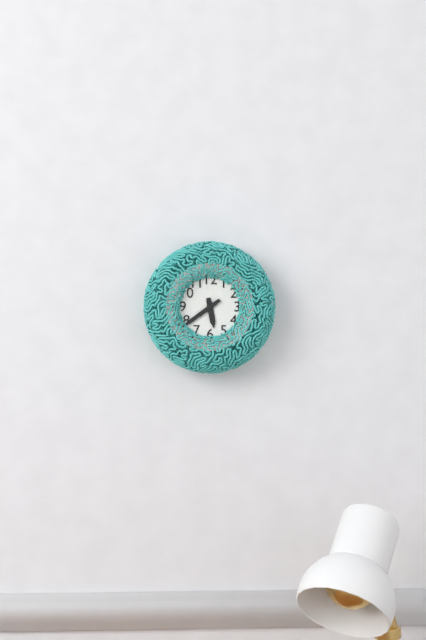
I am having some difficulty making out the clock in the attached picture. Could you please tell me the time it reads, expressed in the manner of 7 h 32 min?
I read 5 h 39 min
